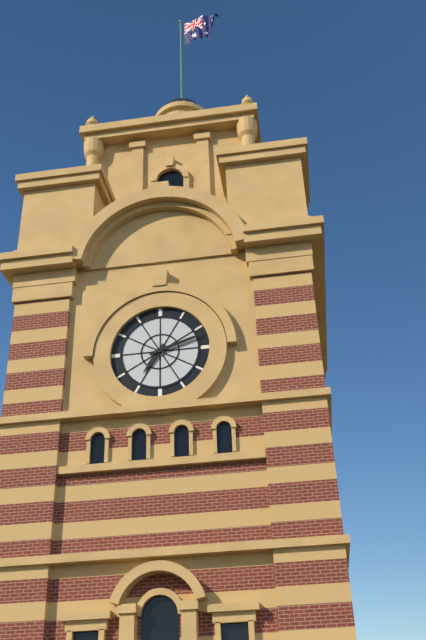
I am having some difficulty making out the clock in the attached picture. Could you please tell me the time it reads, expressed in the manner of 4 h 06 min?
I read 7 h 12 min
